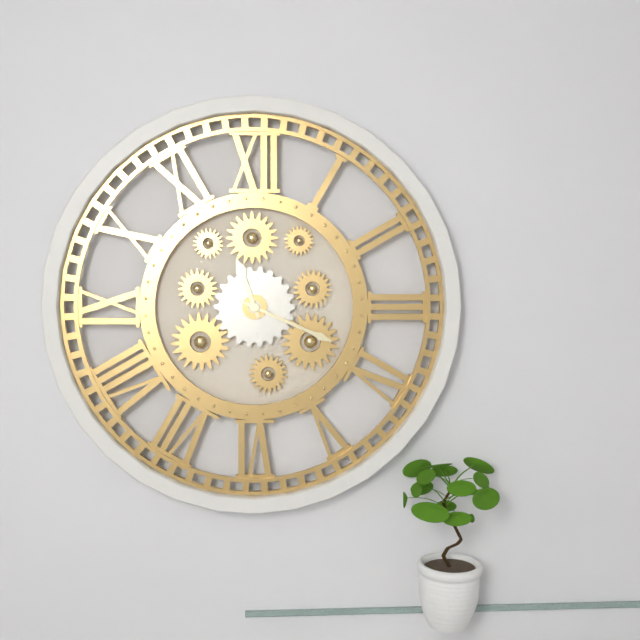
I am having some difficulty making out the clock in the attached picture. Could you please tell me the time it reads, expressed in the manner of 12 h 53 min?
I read 11 h 19 min
